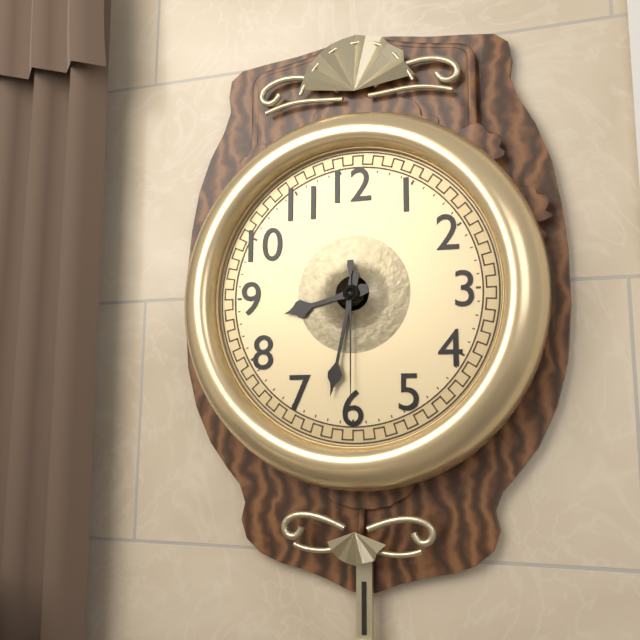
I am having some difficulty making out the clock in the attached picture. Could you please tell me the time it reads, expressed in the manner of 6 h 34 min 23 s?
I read 8 h 32 min 30 s
